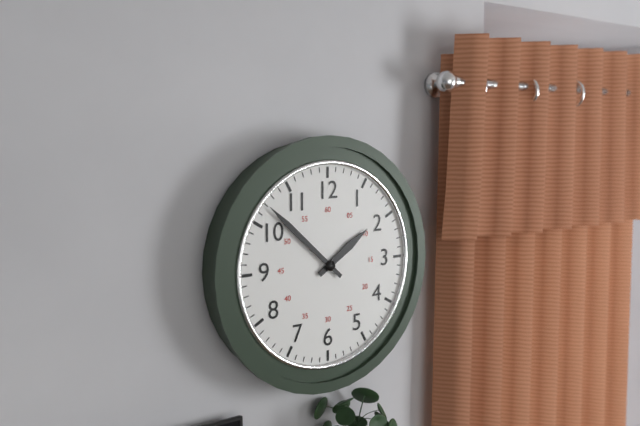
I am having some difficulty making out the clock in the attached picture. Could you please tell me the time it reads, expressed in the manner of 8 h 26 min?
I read 1 h 52 min
